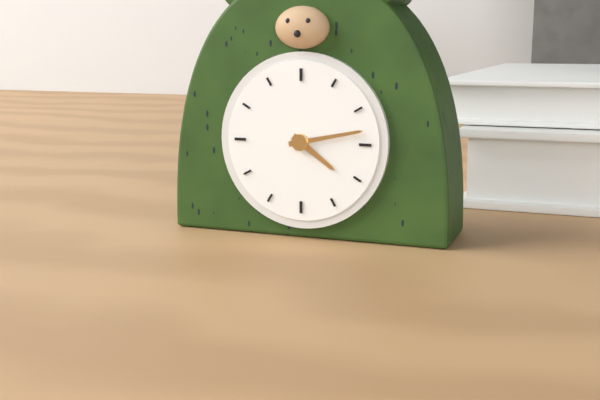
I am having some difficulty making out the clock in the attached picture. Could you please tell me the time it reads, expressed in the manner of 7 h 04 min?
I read 4 h 13 min
